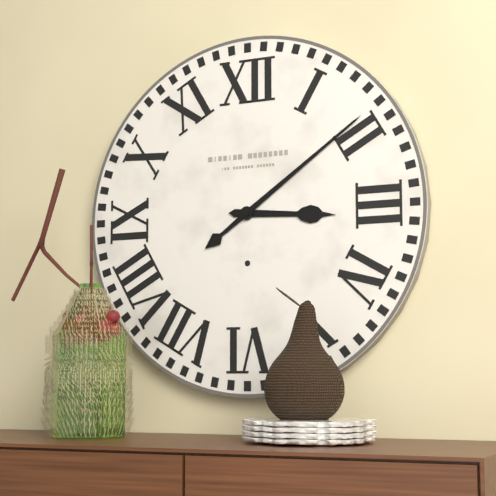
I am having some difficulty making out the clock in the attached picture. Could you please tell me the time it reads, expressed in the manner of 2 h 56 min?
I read 3 h 09 min
